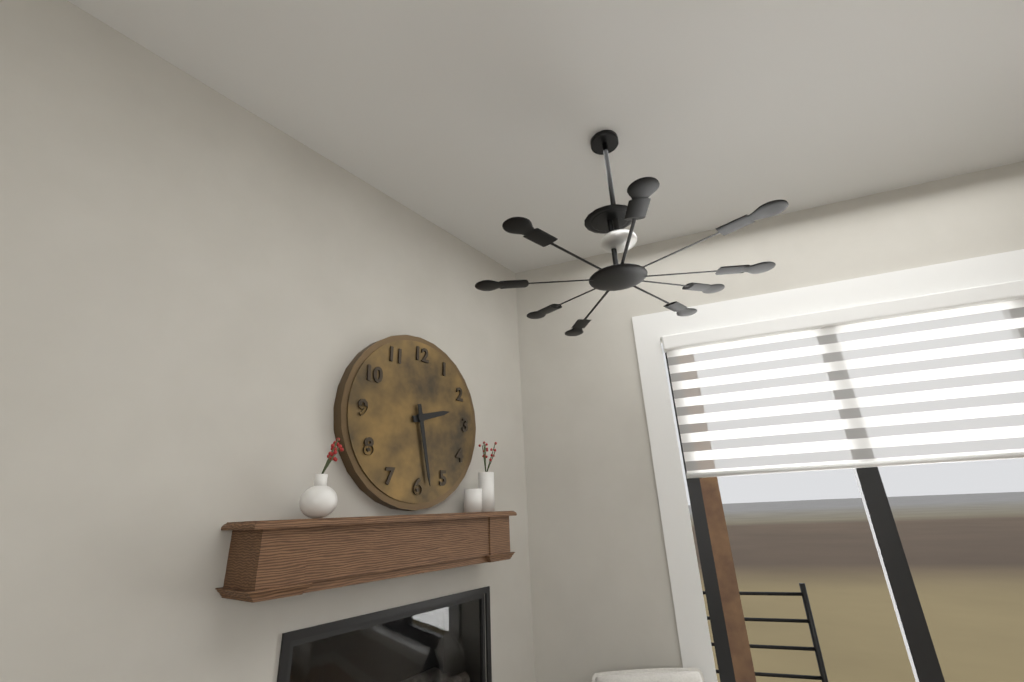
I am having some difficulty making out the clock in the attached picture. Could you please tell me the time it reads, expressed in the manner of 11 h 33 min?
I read 2 h 28 min
